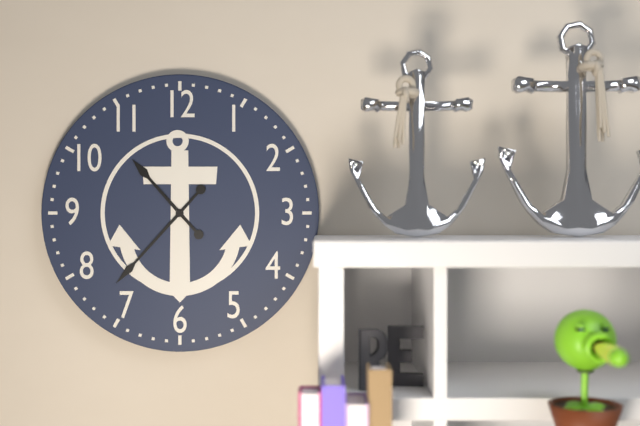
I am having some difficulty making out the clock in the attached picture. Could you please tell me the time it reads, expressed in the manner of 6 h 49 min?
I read 10 h 37 min
